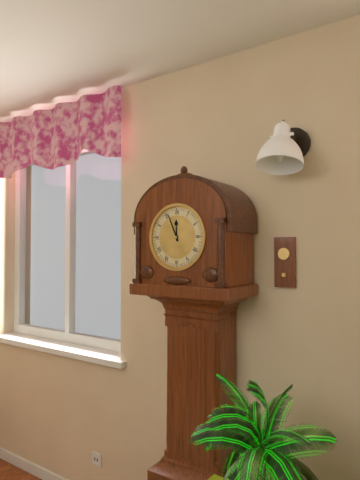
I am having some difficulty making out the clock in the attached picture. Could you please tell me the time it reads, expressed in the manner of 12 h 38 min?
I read 11 h 56 min
